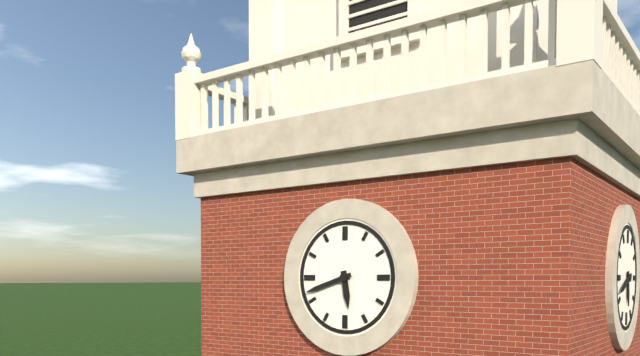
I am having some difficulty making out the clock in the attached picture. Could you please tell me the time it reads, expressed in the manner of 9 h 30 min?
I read 5 h 42 min
